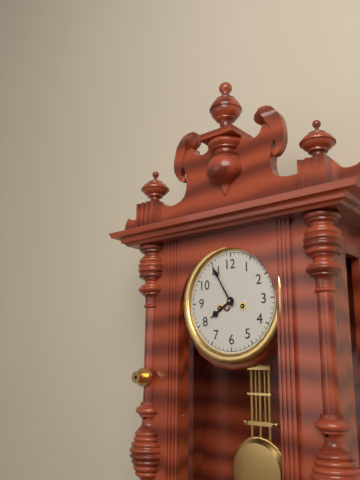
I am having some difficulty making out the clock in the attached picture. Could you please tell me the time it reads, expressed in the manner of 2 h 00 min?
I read 7 h 55 min
